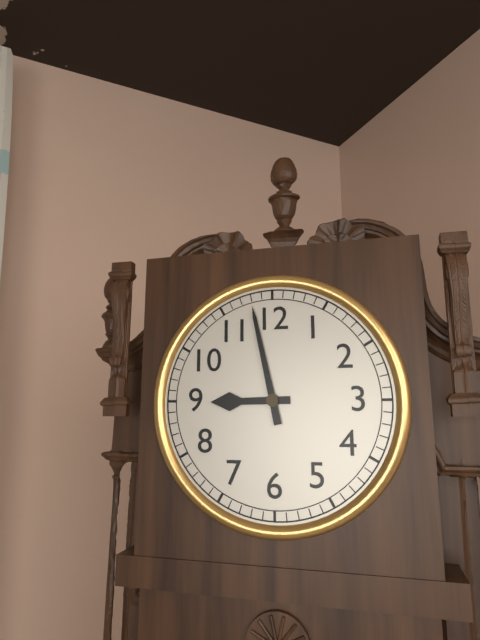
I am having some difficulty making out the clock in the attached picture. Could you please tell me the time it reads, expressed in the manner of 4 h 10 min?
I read 8 h 58 min
